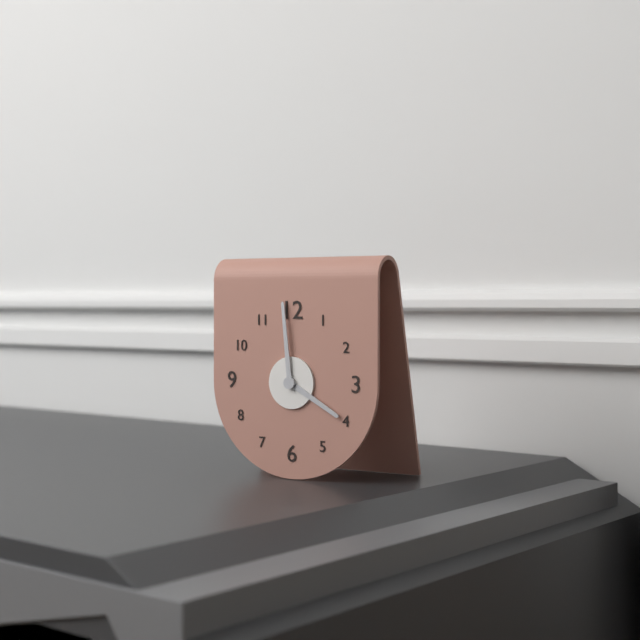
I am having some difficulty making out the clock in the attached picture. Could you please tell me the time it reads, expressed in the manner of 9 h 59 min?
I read 3 h 59 min
